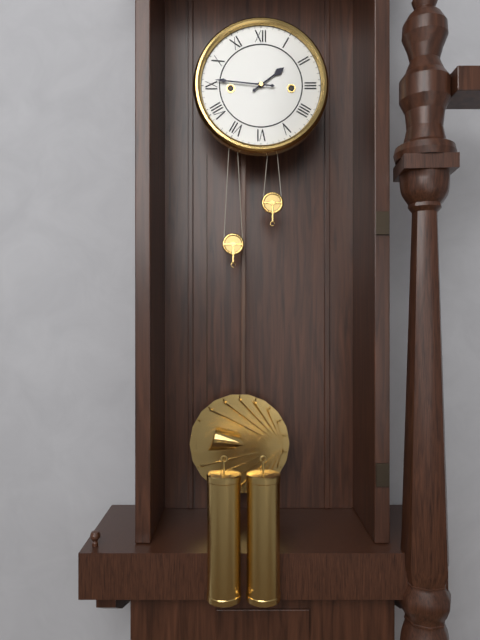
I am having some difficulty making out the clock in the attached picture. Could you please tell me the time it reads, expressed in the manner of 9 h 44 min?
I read 1 h 46 min
